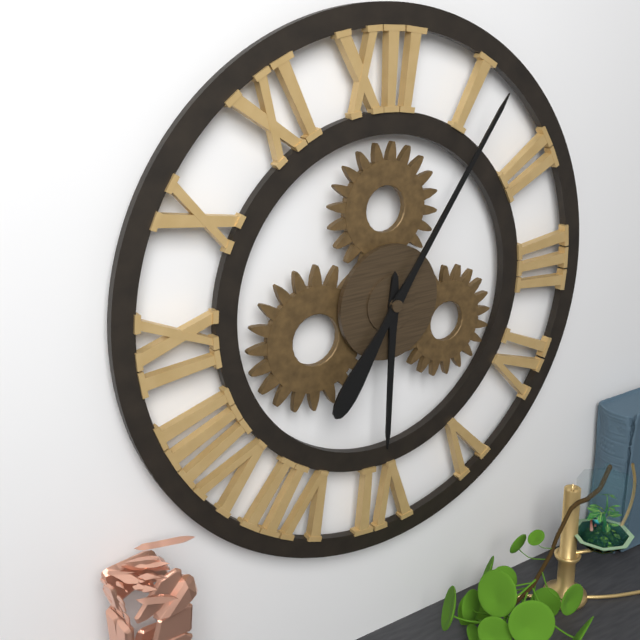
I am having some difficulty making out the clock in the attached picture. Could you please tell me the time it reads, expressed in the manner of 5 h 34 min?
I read 6 h 06 min
